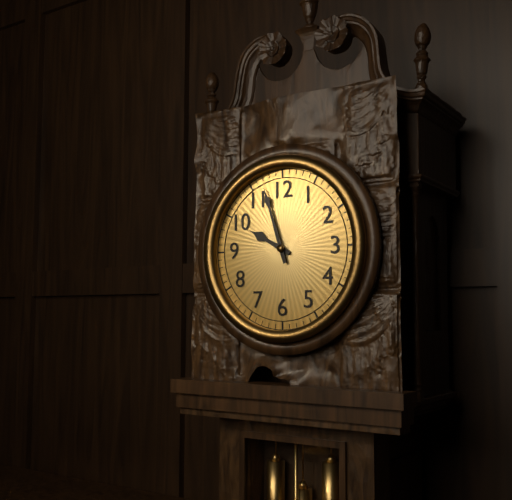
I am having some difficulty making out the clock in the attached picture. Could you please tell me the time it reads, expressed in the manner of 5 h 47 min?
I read 9 h 57 min
